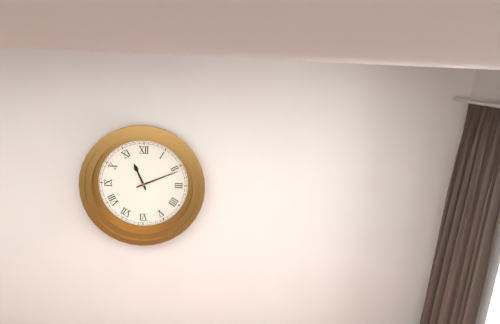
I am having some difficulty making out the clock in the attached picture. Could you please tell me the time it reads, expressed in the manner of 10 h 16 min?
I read 11 h 11 min
